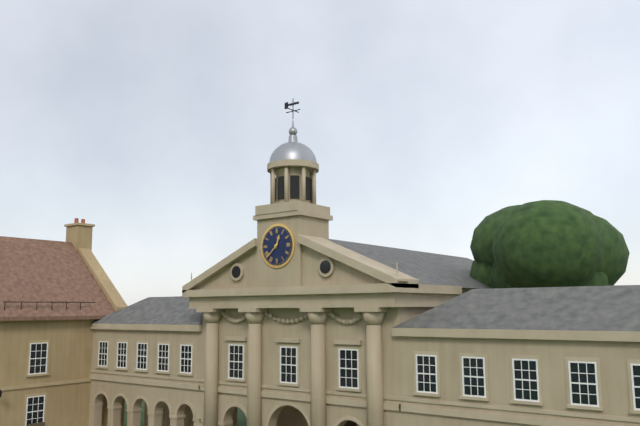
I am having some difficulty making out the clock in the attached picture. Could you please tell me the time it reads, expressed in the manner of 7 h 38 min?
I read 12 h 38 min
